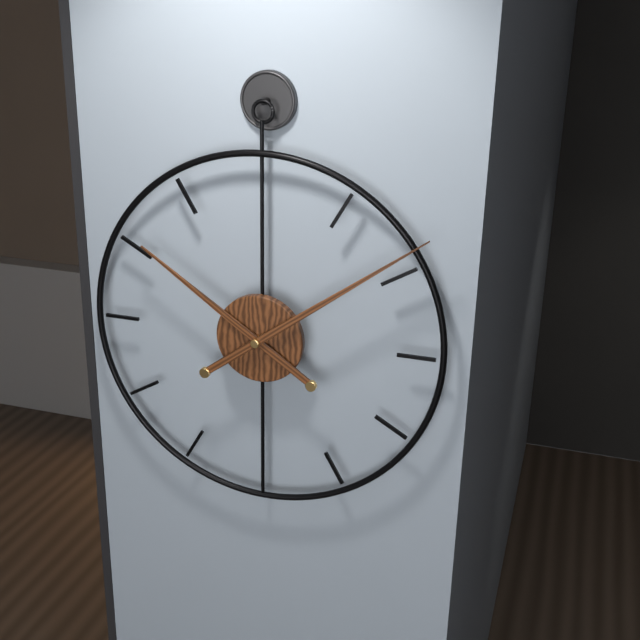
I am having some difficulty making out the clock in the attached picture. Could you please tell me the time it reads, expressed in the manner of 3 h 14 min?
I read 10 h 09 min
